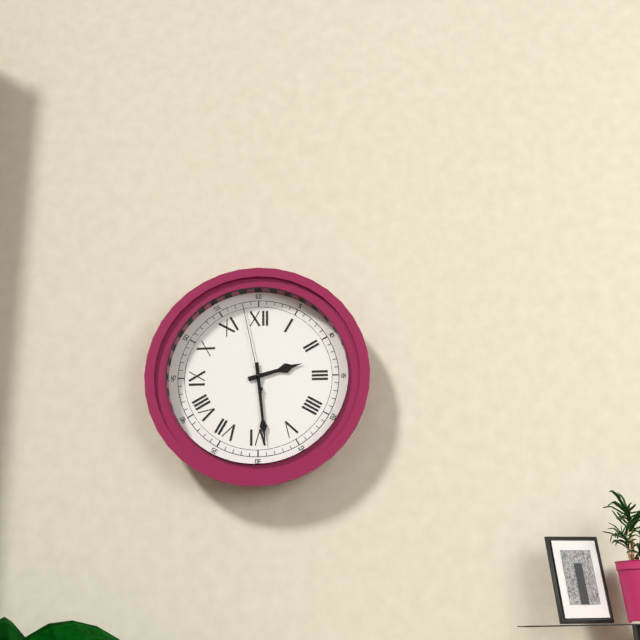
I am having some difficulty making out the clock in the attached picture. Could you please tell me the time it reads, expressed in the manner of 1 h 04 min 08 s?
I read 2 h 29 min 58 s
